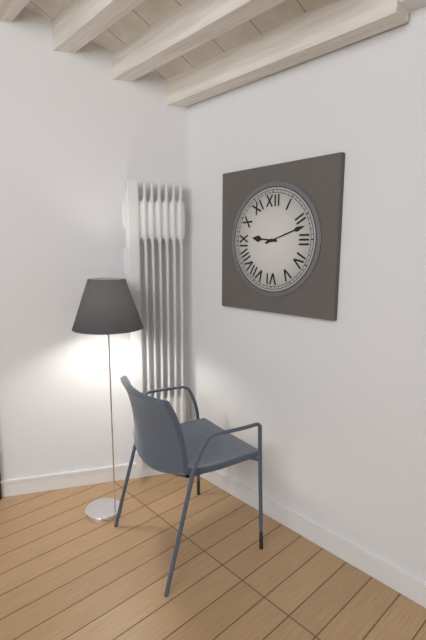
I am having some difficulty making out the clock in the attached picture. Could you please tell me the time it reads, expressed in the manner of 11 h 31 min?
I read 9 h 12 min
